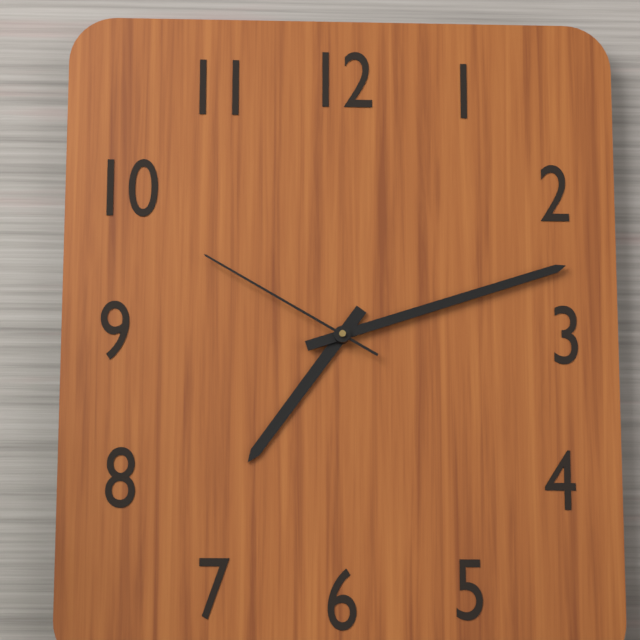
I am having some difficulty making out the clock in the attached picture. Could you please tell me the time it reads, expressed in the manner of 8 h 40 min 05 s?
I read 7 h 12 min 50 s
